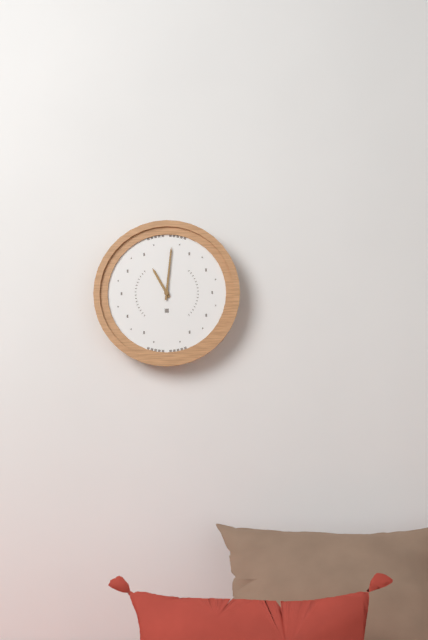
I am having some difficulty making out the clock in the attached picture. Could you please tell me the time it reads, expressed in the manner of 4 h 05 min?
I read 11 h 01 min
